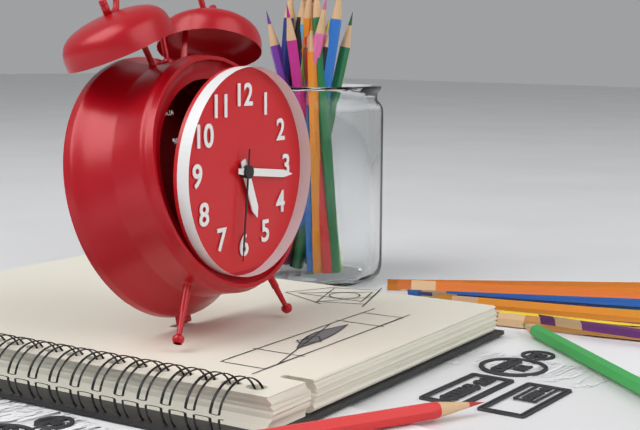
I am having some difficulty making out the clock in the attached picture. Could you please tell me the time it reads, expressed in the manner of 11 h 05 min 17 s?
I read 5 h 16 min 31 s
